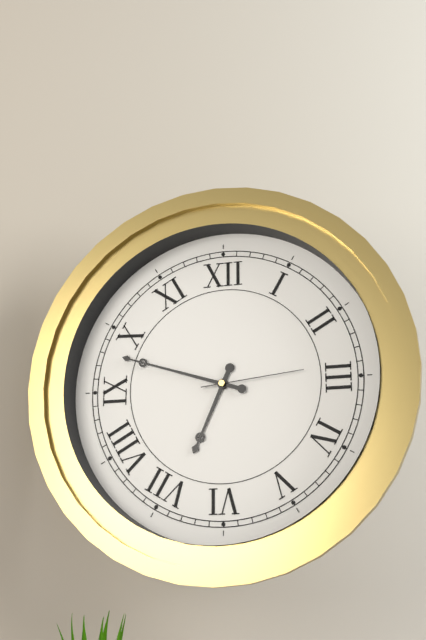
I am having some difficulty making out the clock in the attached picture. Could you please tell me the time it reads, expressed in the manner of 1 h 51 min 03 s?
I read 6 h 48 min 14 s
